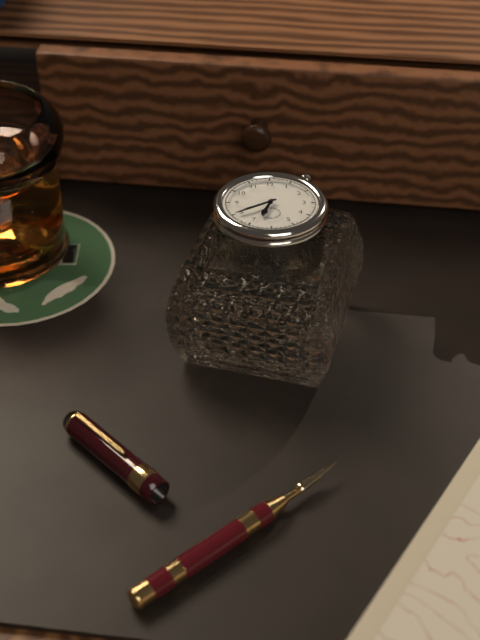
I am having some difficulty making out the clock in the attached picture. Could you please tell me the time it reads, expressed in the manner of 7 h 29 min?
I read 6 h 40 min
